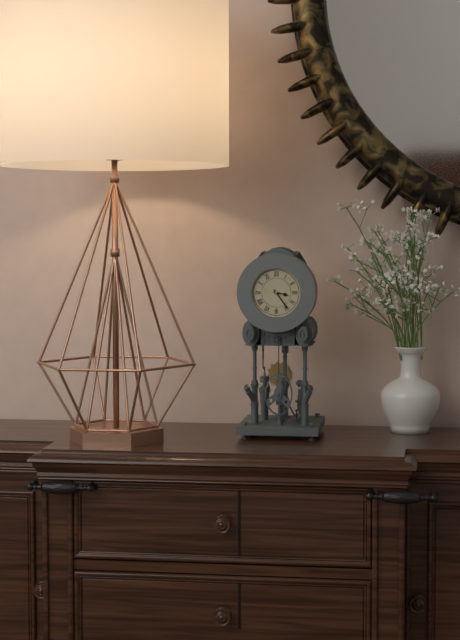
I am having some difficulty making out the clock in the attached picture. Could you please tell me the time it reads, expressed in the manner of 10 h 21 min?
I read 3 h 24 min
